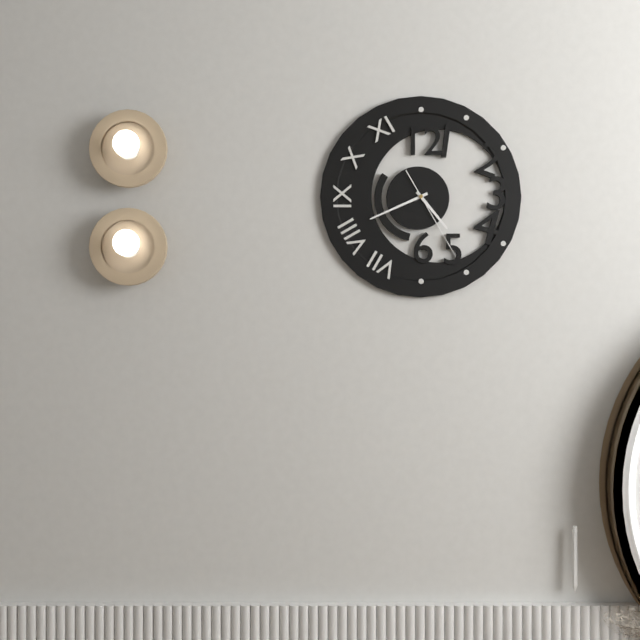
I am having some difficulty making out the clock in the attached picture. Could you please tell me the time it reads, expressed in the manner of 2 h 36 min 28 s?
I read 4 h 41 min 25 s
